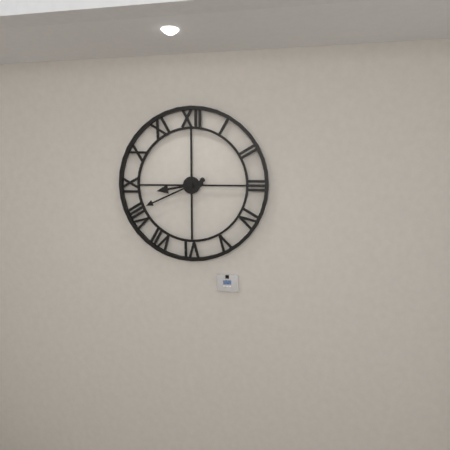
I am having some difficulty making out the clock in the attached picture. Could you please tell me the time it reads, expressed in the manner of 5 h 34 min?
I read 8 h 41 min
